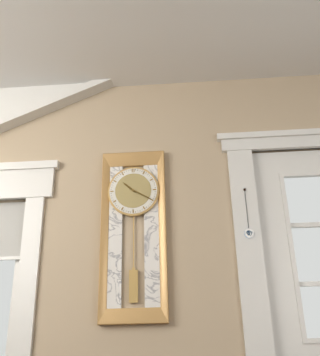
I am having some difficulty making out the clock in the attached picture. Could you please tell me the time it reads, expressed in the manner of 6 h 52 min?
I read 10 h 20 min
